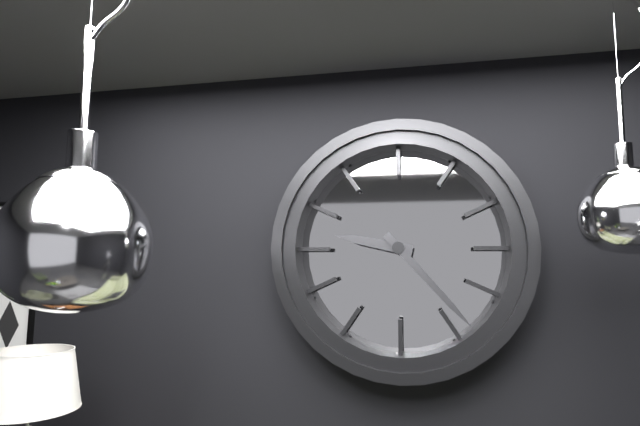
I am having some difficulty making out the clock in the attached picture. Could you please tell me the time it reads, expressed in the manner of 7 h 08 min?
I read 9 h 23 min
